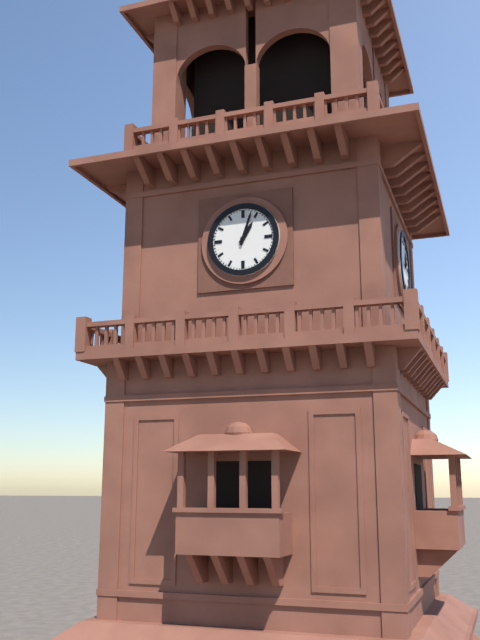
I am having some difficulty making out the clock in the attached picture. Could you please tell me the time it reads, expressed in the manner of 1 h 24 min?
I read 1 h 03 min
